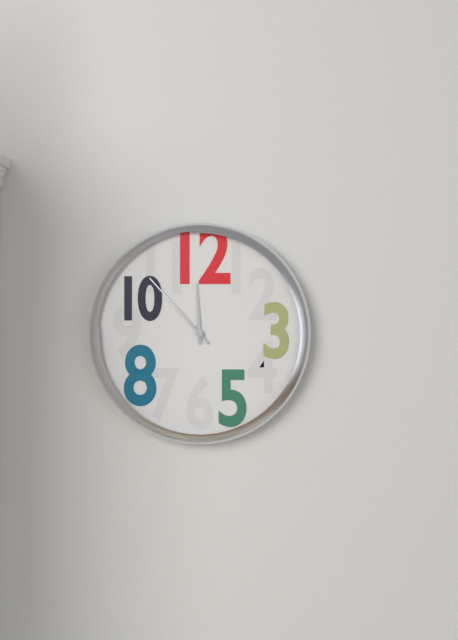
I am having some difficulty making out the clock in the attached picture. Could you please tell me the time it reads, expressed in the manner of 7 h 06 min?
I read 11 h 53 min
